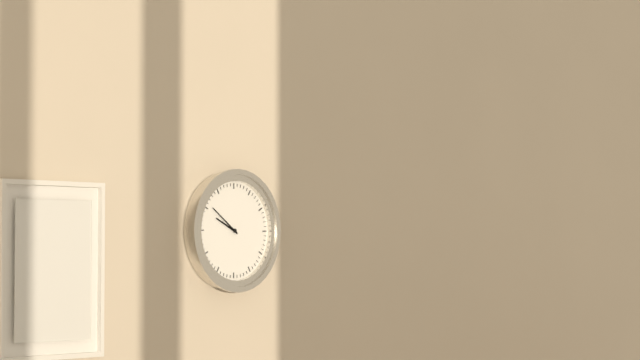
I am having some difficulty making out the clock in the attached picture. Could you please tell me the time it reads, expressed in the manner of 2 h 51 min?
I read 9 h 51 min
